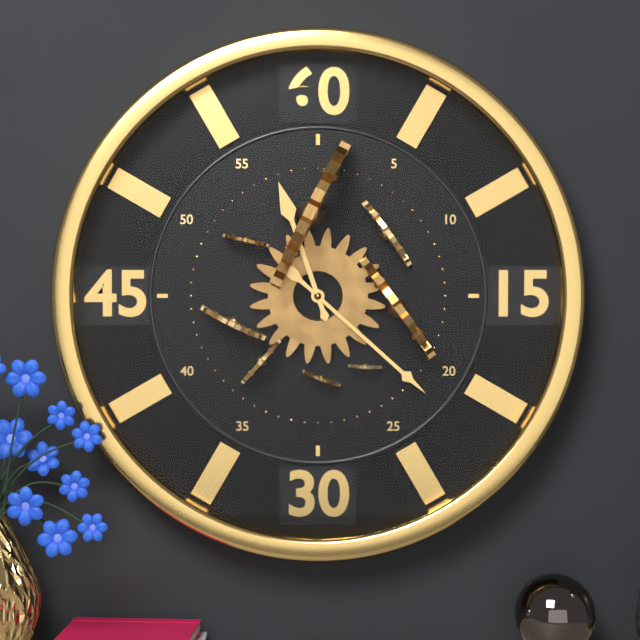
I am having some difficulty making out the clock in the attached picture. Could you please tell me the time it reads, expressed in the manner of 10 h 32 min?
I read 11 h 22 min
